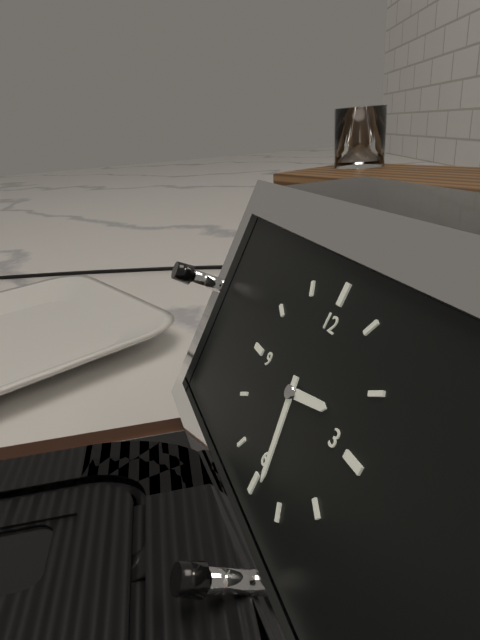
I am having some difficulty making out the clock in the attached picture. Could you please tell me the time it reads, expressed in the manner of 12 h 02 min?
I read 2 h 28 min
